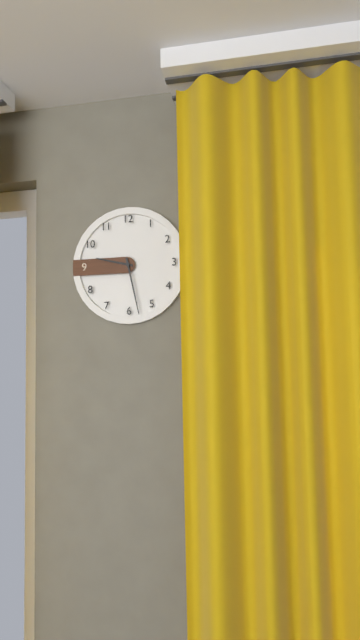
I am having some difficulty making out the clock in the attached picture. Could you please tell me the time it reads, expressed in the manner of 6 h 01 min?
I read 9 h 28 min
